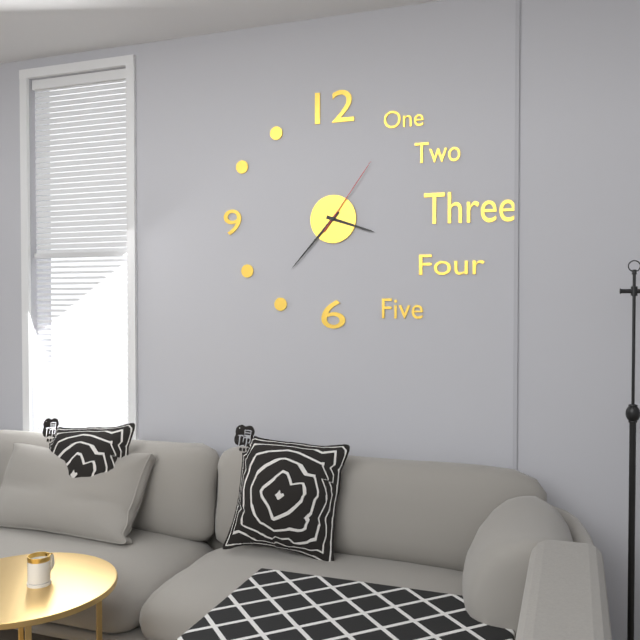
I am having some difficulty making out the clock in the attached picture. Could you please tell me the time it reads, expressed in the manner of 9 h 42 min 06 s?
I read 3 h 37 min 06 s
